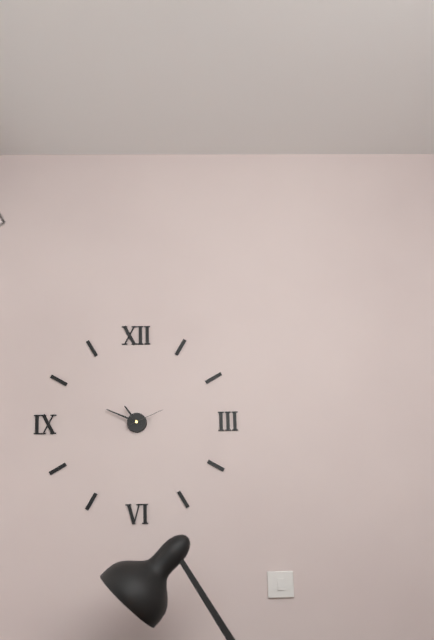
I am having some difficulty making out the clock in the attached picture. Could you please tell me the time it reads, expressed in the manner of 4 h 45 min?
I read 10 h 49 min
